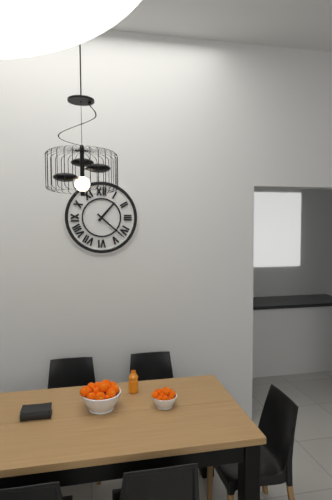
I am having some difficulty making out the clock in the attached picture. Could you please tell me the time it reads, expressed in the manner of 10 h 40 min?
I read 1 h 22 min
